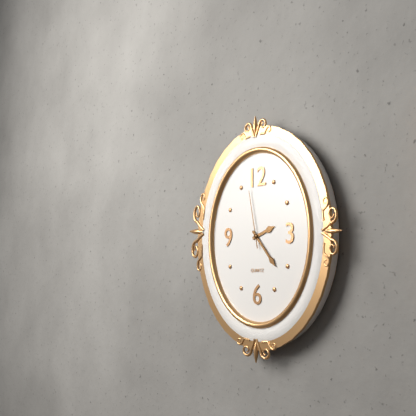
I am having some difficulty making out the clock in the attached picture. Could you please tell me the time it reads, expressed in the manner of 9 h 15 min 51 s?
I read 2 h 23 min 58 s
